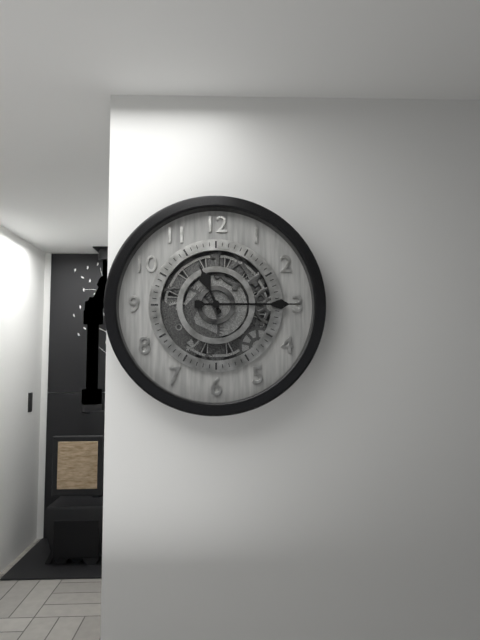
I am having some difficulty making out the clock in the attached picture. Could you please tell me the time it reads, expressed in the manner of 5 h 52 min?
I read 11 h 15 min
